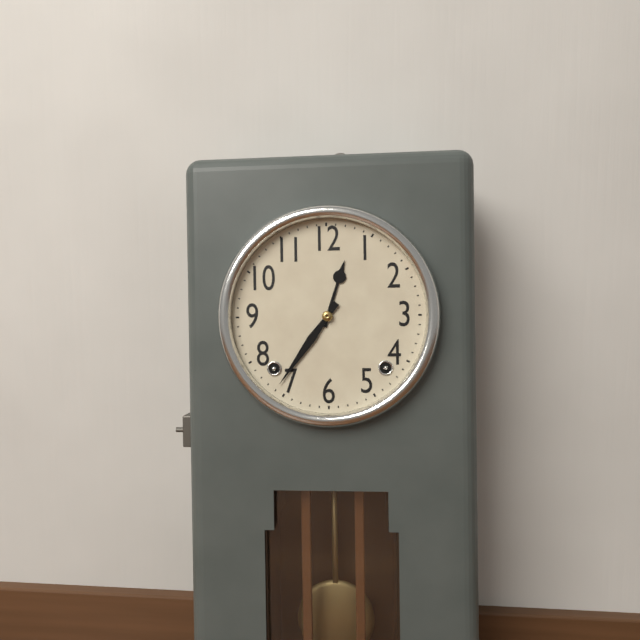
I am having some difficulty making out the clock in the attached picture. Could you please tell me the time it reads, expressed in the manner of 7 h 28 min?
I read 12 h 36 min
